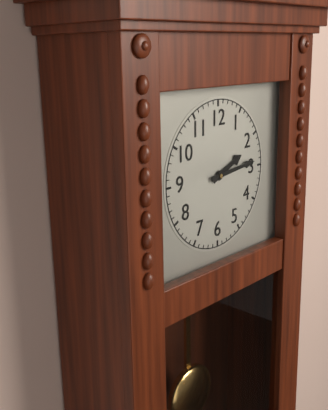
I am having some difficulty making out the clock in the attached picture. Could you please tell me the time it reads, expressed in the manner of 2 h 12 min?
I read 2 h 14 min
